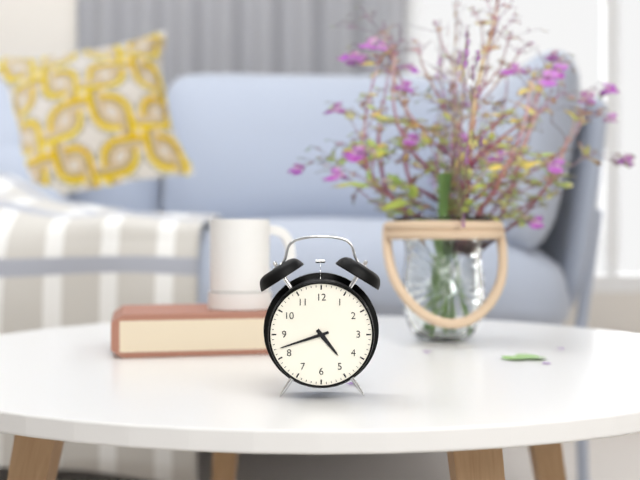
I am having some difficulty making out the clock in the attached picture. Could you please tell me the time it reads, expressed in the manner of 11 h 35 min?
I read 4 h 42 min
